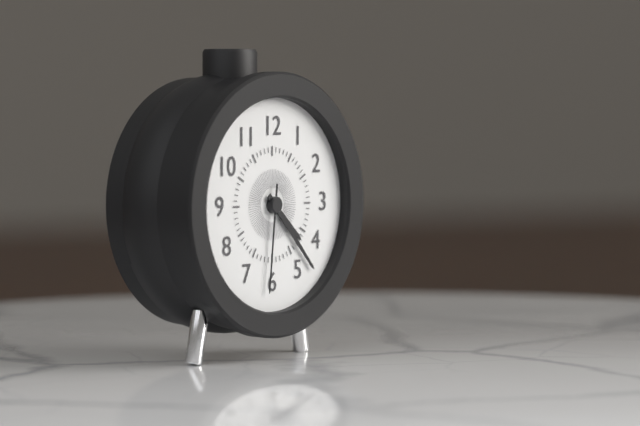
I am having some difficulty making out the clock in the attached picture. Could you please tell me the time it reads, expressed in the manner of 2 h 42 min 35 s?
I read 4 h 23 min 31 s
